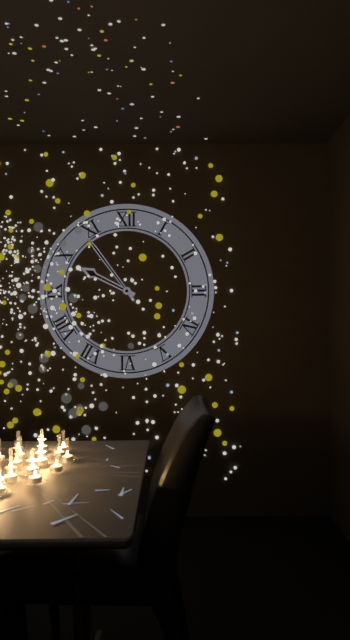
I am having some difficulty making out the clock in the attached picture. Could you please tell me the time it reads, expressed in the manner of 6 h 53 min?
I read 9 h 54 min
